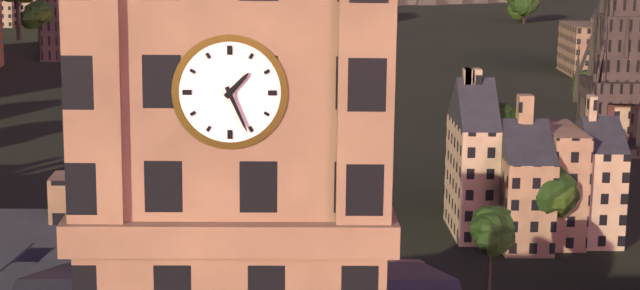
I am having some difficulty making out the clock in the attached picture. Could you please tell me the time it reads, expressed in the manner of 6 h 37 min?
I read 1 h 26 min
